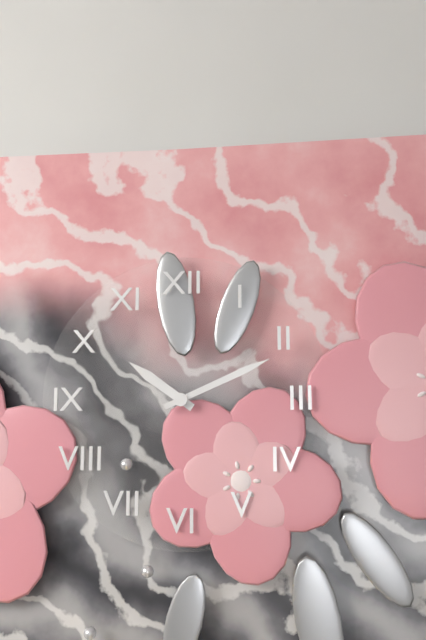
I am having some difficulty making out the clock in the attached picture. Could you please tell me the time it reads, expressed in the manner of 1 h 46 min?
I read 10 h 11 min
